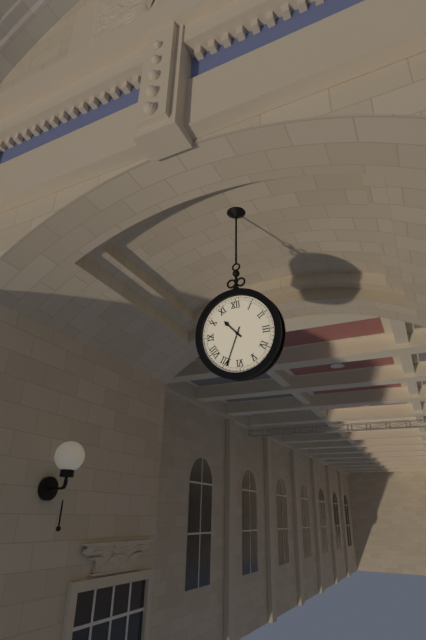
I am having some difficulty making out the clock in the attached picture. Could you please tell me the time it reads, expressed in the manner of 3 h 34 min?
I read 10 h 34 min
